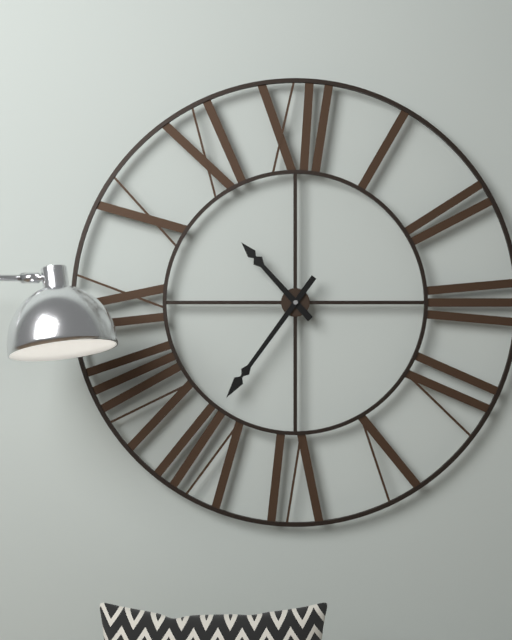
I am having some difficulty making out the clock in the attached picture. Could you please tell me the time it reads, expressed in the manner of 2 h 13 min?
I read 10 h 36 min
